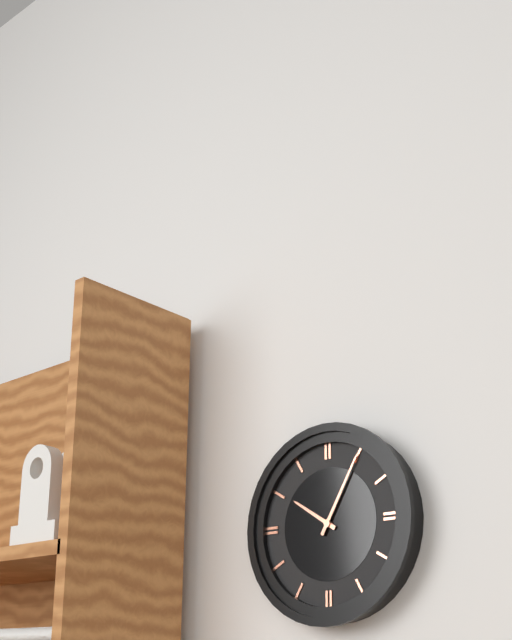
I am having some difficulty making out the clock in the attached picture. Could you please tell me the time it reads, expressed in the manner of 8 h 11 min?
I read 10 h 05 min
